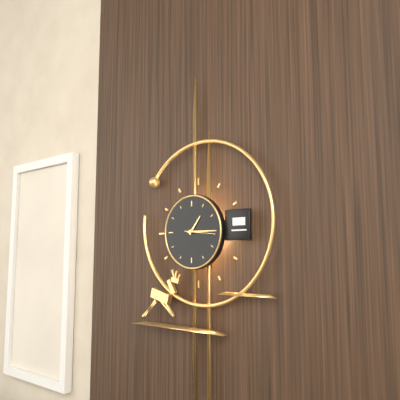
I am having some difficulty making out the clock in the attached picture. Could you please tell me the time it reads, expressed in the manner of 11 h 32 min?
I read 1 h 15 min
